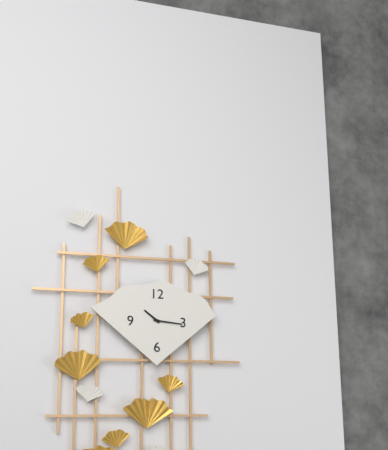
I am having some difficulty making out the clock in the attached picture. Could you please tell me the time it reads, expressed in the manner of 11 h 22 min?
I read 10 h 16 min
